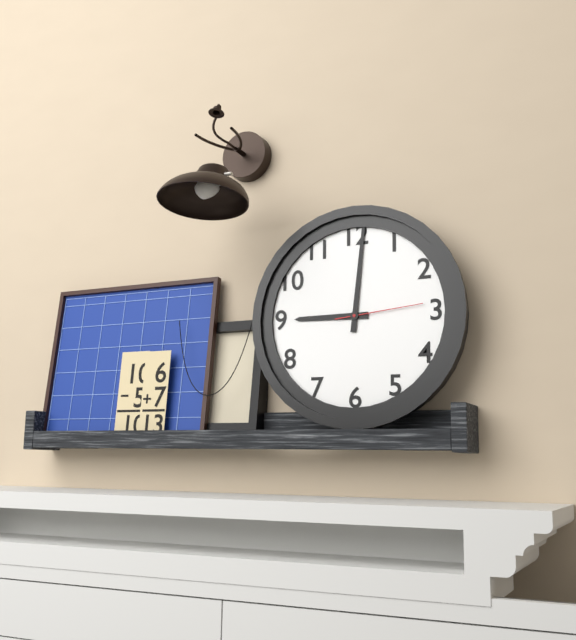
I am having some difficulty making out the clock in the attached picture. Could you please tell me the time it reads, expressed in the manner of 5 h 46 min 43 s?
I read 9 h 01 min 14 s
